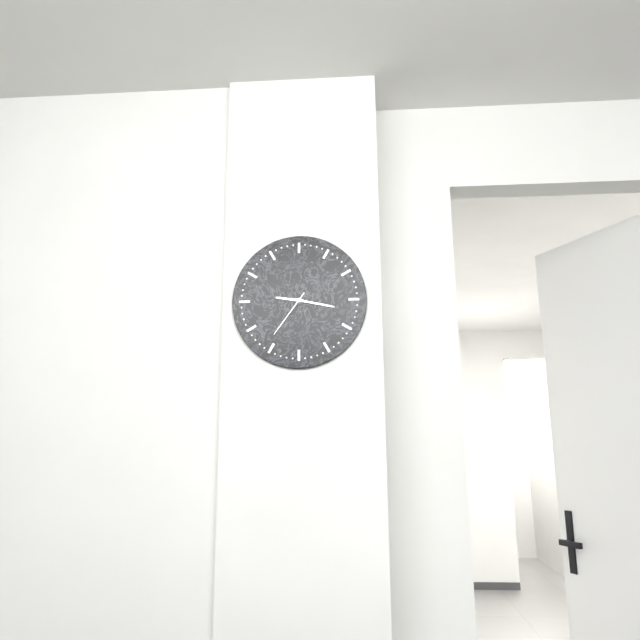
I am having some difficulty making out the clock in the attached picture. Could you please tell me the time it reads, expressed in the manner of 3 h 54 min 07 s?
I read 9 h 17 min 36 s
